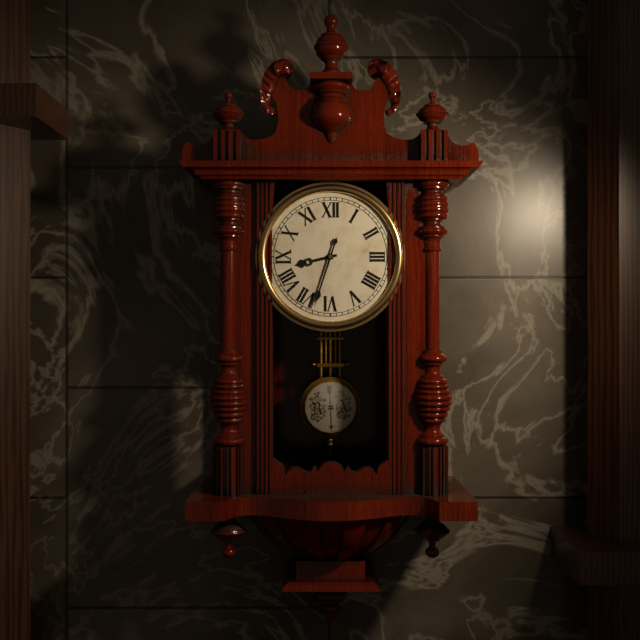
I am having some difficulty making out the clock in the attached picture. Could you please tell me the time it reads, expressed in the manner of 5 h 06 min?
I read 8 h 33 min
